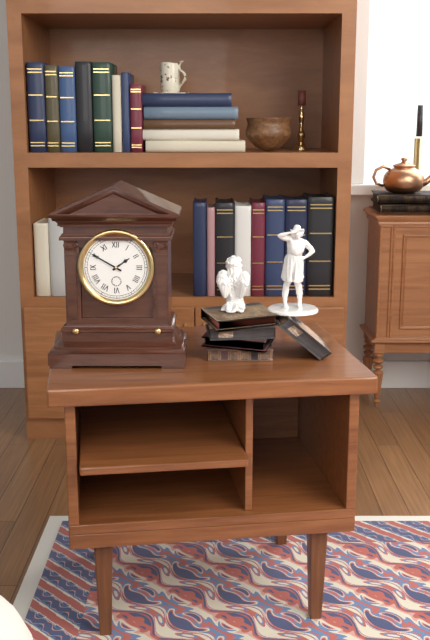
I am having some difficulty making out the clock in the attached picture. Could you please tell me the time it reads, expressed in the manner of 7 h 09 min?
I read 1 h 50 min
